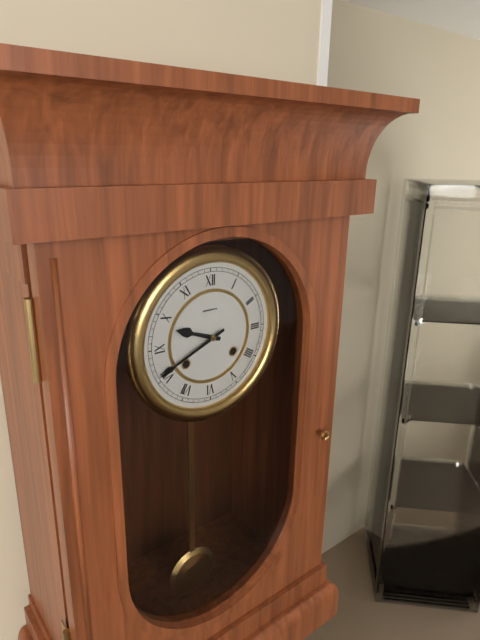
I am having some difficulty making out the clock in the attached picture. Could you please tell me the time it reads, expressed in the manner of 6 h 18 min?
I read 9 h 41 min
